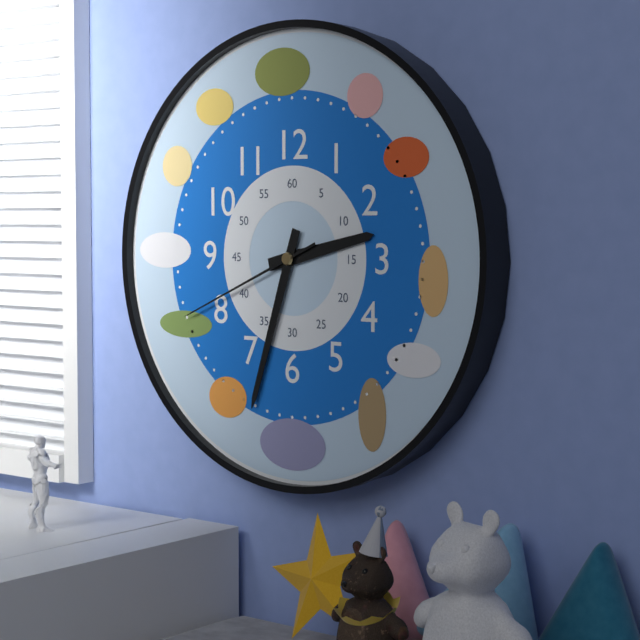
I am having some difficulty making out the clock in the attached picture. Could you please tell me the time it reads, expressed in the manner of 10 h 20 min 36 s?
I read 2 h 33 min 41 s
